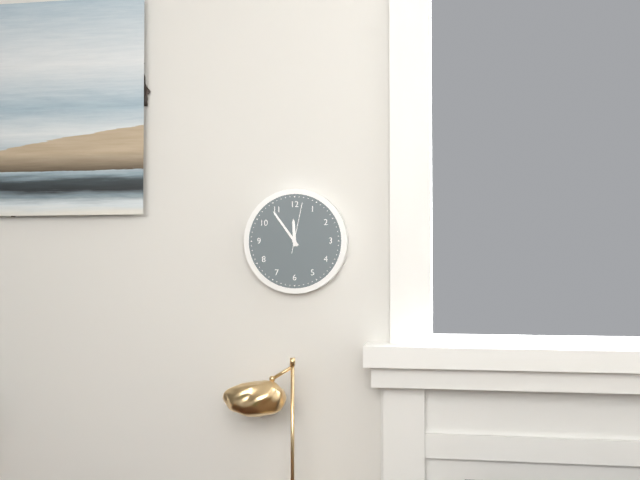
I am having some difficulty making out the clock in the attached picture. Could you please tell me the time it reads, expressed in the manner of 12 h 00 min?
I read 11 h 54 min
